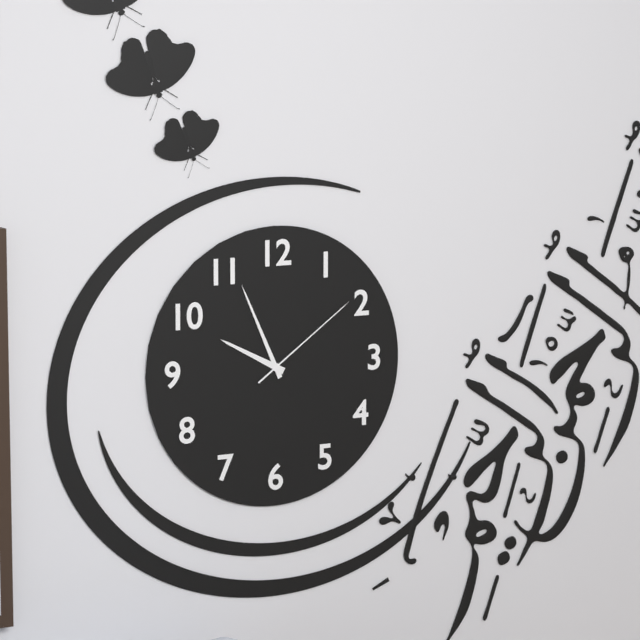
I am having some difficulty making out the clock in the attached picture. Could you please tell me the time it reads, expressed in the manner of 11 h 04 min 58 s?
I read 9 h 56 min 09 s
